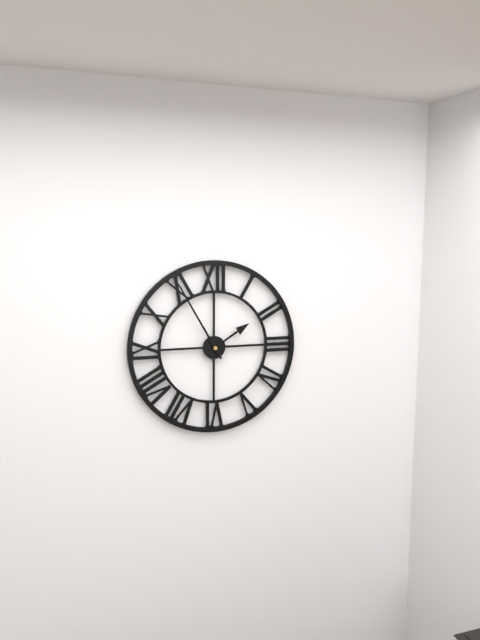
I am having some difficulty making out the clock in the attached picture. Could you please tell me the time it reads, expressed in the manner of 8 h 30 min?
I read 1 h 55 min
